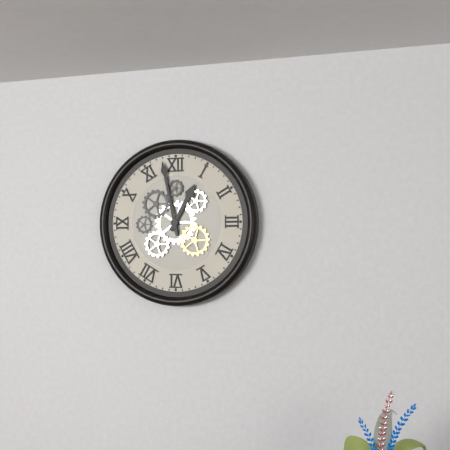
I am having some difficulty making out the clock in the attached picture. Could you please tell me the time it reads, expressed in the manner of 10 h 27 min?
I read 12 h 58 min
